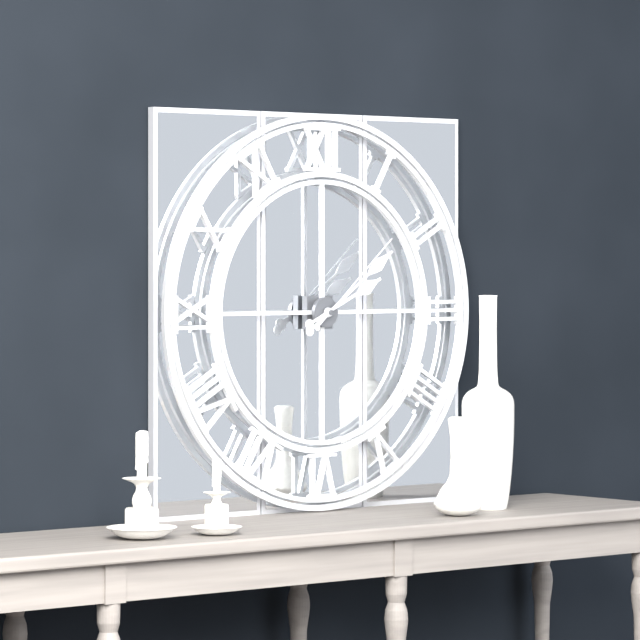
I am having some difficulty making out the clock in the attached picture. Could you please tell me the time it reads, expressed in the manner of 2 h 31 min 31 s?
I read 2 h 09 min 08 s
